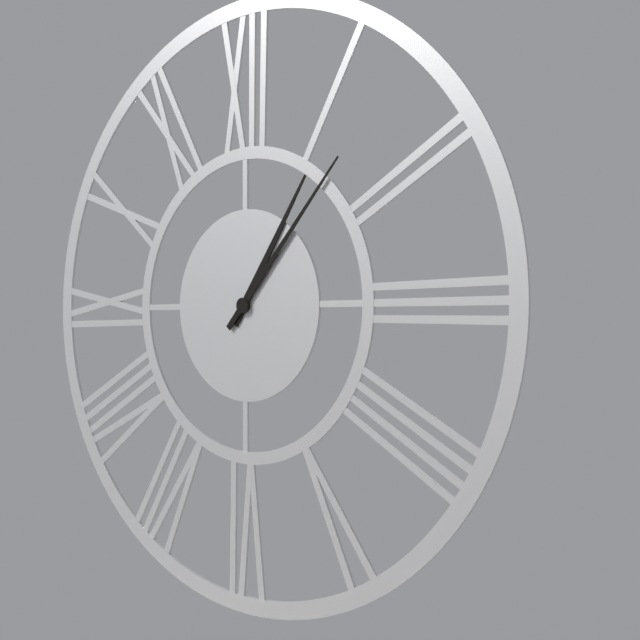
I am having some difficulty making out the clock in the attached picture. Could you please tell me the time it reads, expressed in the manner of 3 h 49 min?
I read 1 h 07 min
